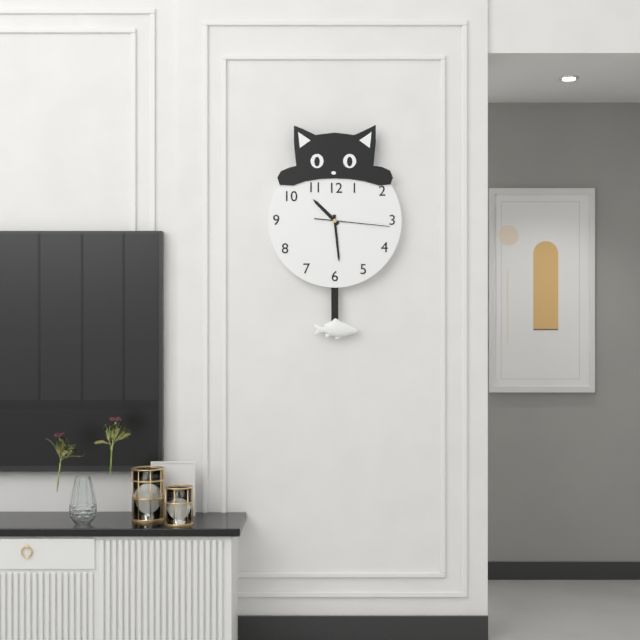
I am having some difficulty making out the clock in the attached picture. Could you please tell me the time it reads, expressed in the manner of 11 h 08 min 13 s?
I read 10 h 29 min 16 s
